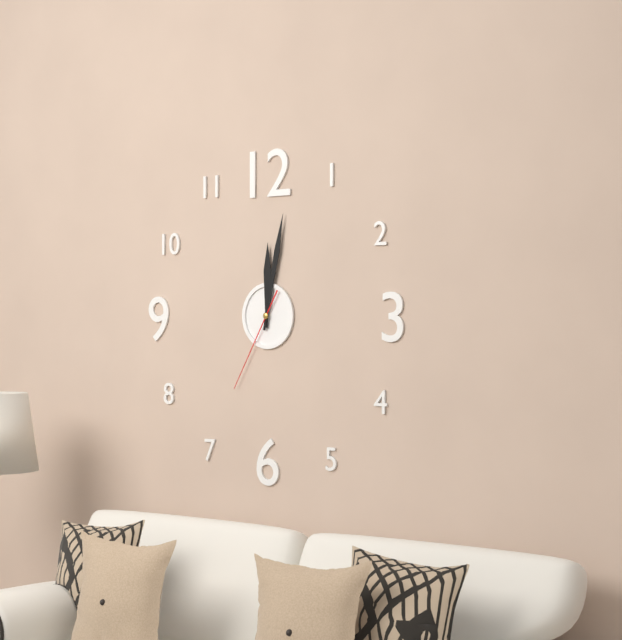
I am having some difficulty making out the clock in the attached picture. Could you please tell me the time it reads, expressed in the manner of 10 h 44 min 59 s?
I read 12 h 02 min 35 s
